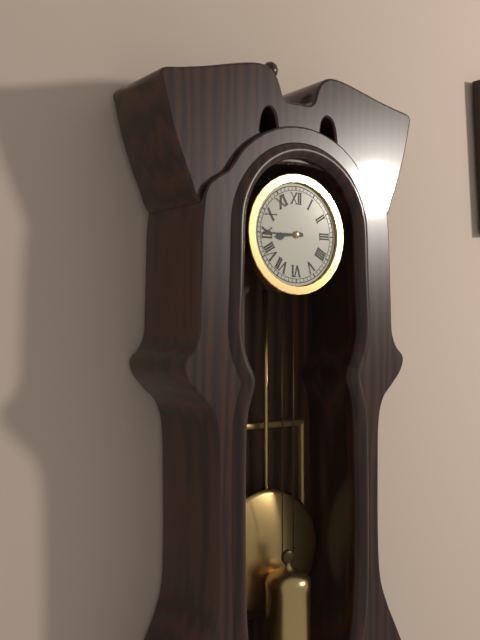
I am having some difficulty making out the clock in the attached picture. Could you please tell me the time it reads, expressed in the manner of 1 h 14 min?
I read 8 h 45 min
